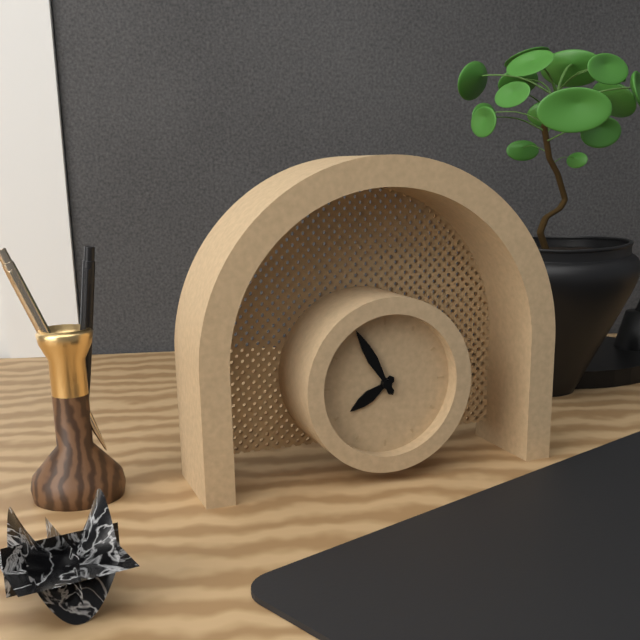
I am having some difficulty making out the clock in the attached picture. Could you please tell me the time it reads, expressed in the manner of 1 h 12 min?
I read 7 h 55 min
